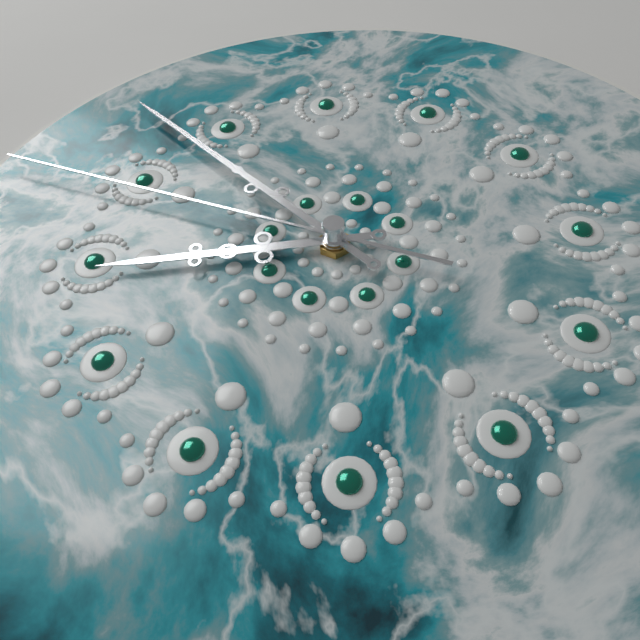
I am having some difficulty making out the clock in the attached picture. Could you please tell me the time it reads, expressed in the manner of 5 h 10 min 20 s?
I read 8 h 53 min 49 s
